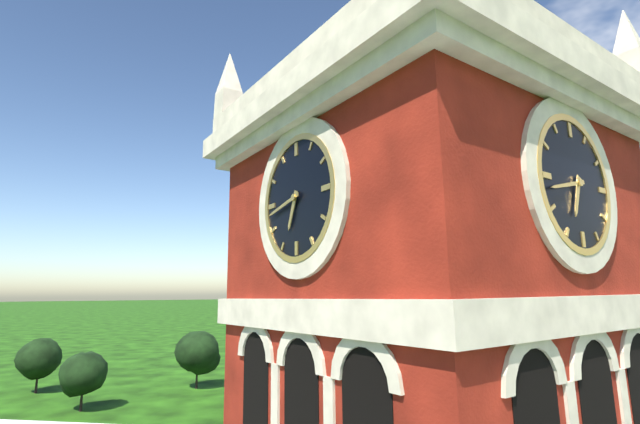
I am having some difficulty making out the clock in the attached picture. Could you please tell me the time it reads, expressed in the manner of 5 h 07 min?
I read 6 h 43 min
